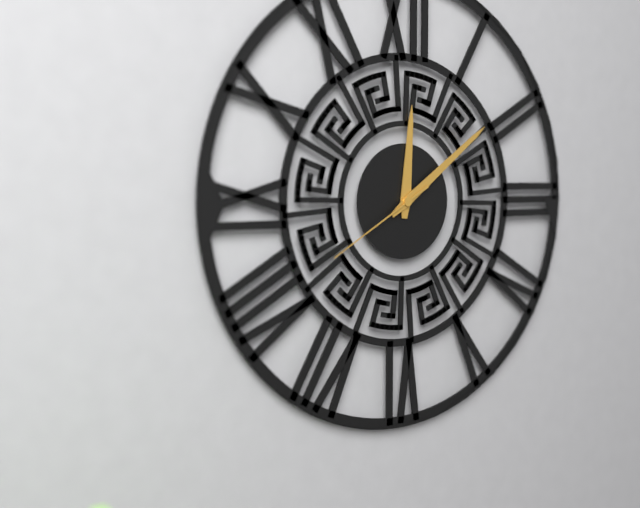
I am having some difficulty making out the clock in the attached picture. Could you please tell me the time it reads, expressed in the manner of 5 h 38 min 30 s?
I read 12 h 09 min 40 s
